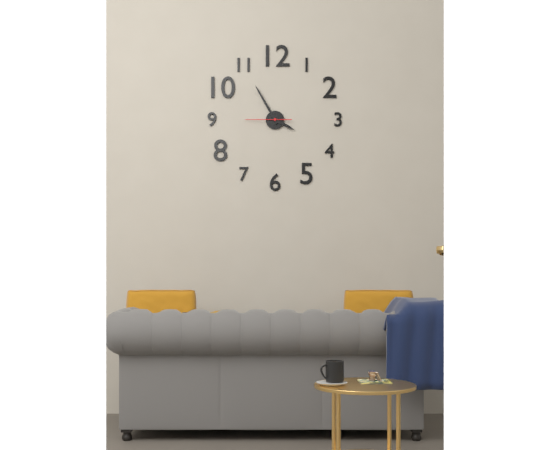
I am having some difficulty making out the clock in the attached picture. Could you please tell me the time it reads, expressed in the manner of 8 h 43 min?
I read 3 h 55 min
